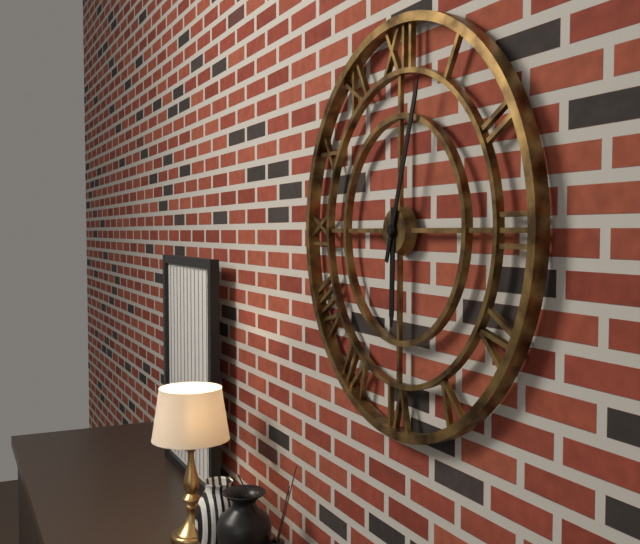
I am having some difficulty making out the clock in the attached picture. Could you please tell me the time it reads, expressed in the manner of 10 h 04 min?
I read 6 h 03 min
